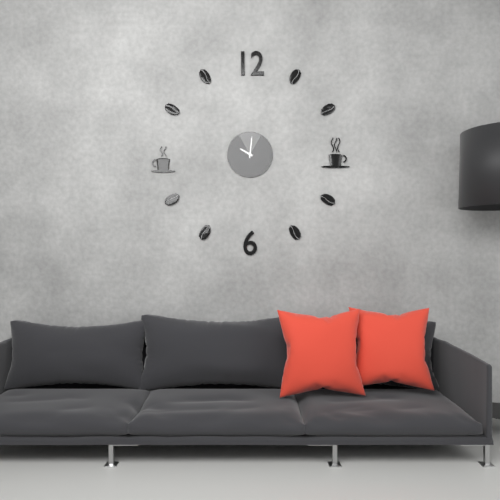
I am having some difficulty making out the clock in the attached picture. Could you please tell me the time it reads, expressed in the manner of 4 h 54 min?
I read 10 h 01 min
